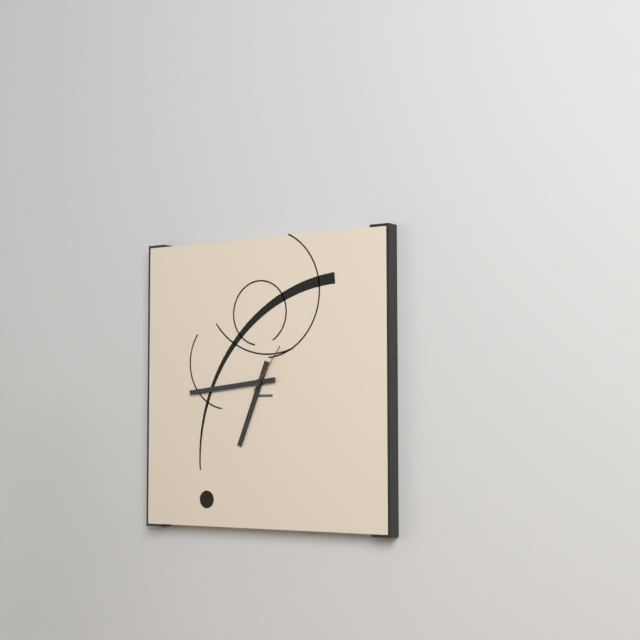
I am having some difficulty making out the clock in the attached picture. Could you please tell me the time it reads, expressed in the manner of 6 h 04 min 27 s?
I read 6 h 44 min 06 s
